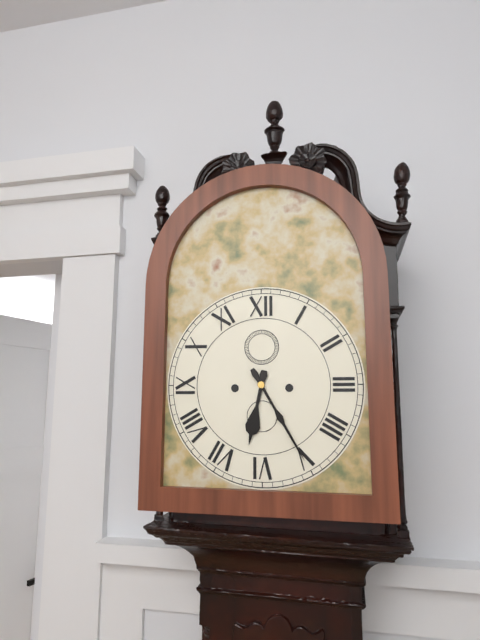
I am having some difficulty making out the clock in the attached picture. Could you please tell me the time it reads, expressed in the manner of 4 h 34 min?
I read 6 h 25 min
